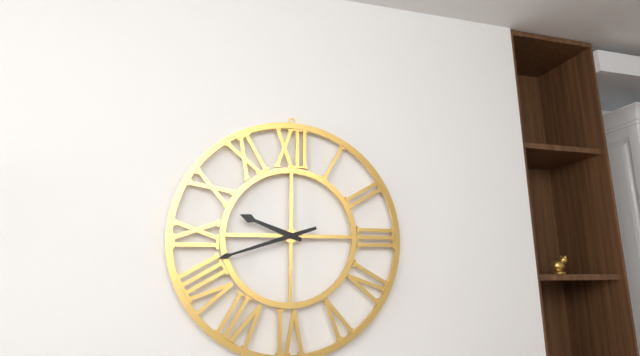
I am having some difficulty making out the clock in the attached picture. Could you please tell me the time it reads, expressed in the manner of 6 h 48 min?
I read 9 h 42 min
